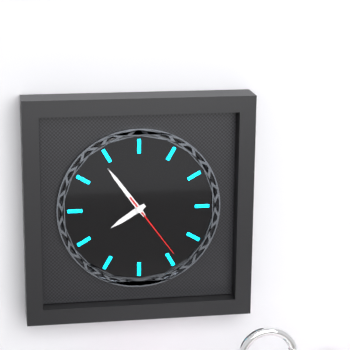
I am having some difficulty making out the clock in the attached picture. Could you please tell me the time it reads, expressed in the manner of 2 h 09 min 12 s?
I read 7 h 54 min 24 s
